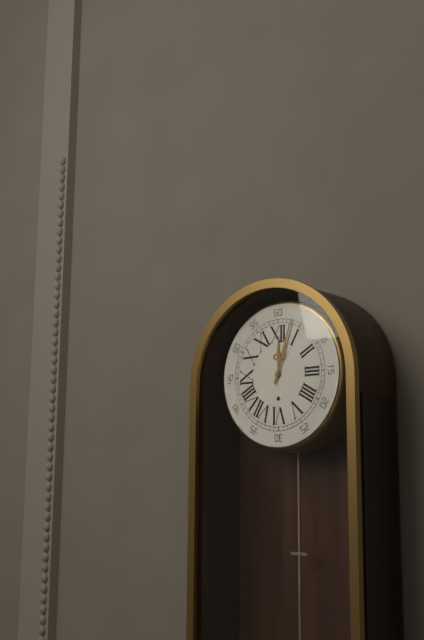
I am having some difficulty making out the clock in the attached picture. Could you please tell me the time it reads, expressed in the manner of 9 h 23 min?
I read 12 h 03 min
